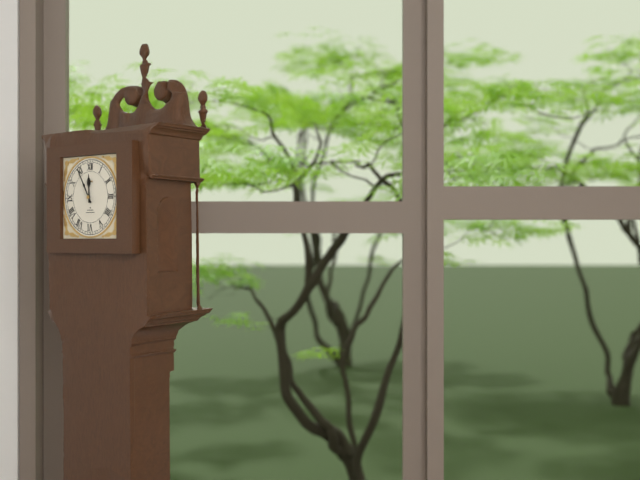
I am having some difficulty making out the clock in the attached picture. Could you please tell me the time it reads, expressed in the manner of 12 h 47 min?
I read 11 h 55 min
